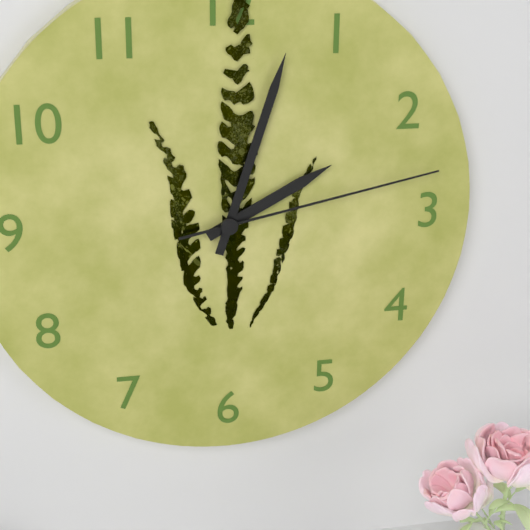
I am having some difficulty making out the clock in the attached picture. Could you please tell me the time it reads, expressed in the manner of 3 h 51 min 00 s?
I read 2 h 03 min 13 s
